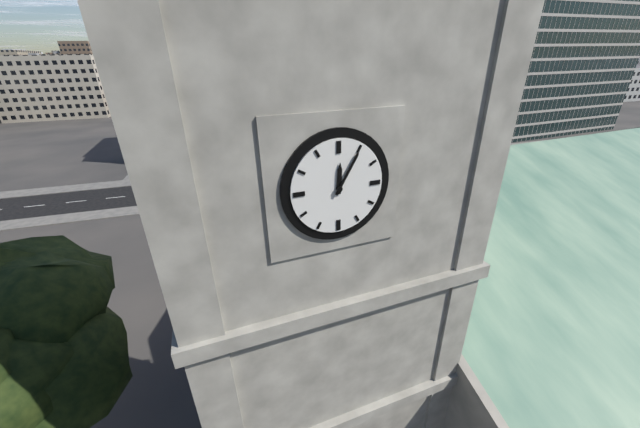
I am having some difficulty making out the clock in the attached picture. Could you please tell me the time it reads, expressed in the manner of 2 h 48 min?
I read 12 h 05 min
